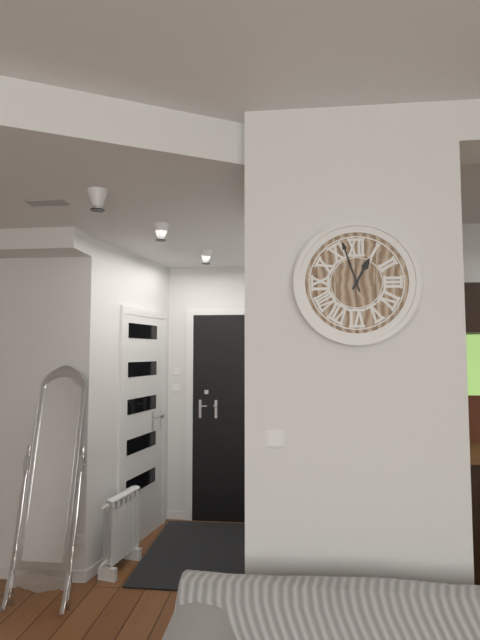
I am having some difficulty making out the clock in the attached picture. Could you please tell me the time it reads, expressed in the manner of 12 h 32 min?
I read 12 h 57 min
